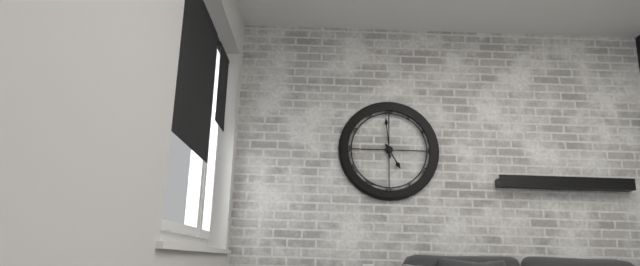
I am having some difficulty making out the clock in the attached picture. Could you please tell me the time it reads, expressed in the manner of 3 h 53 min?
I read 4 h 59 min
